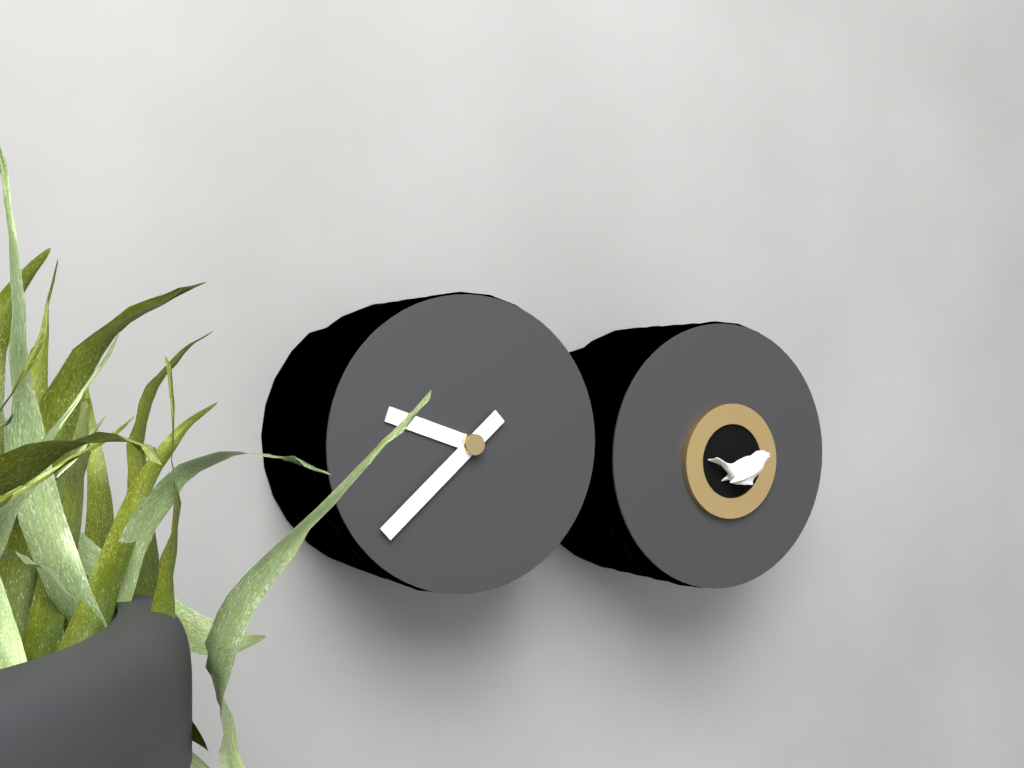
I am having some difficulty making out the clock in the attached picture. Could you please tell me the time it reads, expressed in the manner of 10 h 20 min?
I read 9 h 38 min
